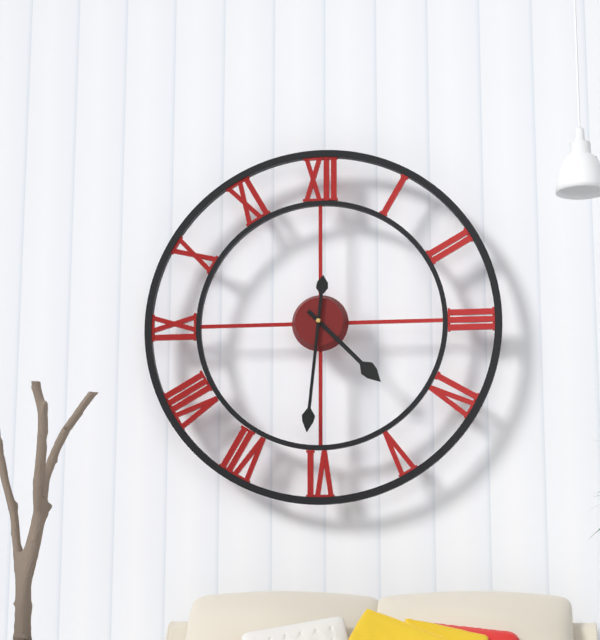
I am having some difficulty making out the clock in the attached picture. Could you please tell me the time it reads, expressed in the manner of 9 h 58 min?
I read 4 h 31 min
